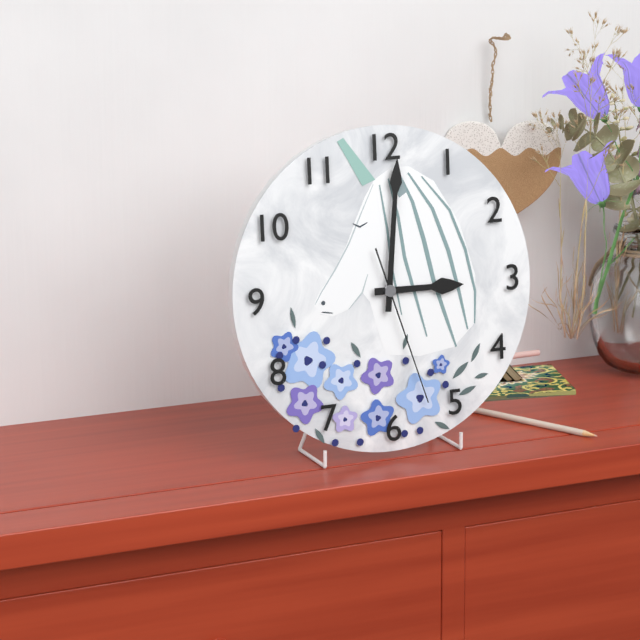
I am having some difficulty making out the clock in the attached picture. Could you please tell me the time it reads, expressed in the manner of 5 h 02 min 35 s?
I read 3 h 01 min 27 s
